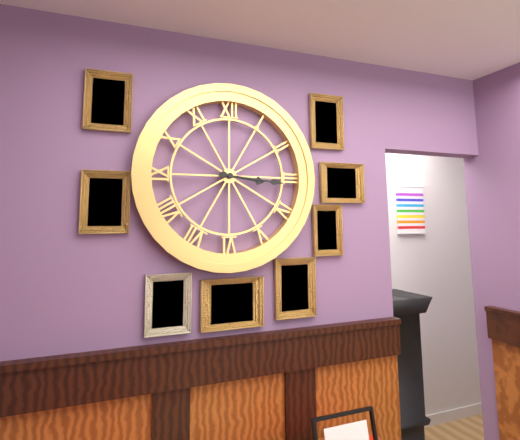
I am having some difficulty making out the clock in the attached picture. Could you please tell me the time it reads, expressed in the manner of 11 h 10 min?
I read 3 h 16 min
